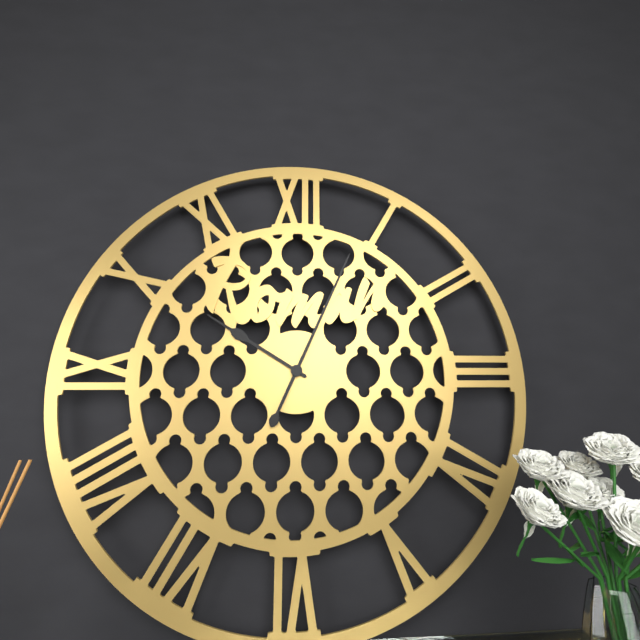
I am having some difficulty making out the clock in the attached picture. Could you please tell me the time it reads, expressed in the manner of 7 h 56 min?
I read 10 h 04 min
